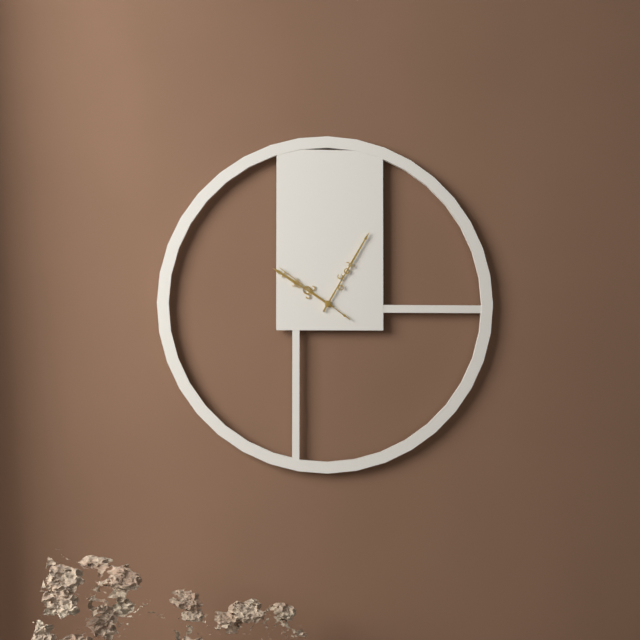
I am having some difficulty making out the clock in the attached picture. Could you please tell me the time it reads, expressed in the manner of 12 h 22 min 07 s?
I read 10 h 05 min 51 s
